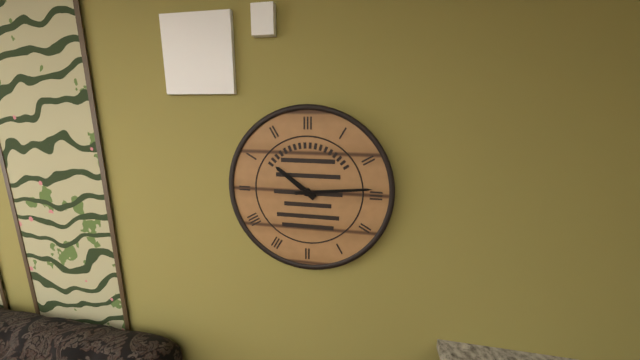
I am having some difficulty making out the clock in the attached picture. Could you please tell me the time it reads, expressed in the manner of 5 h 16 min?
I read 10 h 14 min
